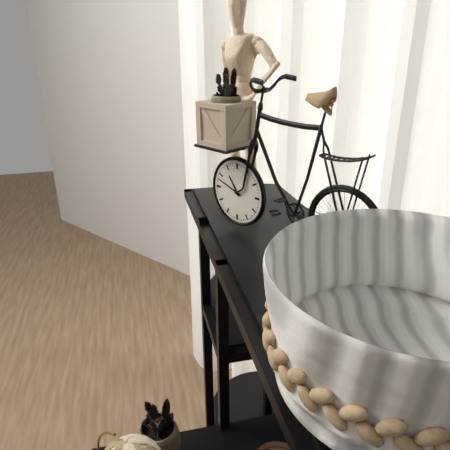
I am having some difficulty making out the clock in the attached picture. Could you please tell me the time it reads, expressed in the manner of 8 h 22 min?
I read 10 h 48 min
